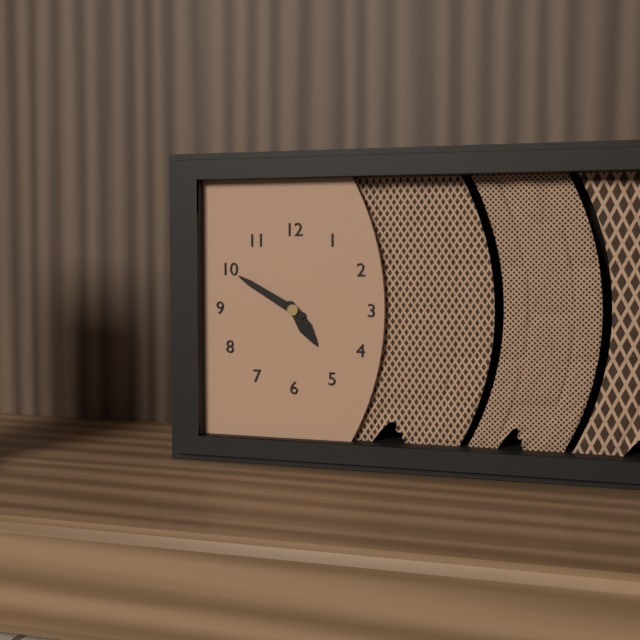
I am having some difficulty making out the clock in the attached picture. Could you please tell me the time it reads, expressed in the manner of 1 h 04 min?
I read 4 h 50 min
